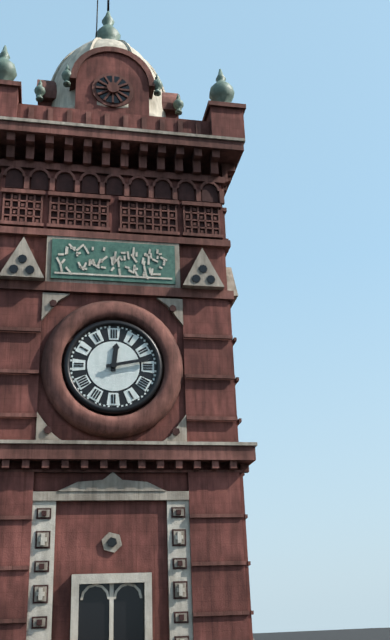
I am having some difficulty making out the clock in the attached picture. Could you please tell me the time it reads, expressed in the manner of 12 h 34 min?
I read 12 h 13 min
